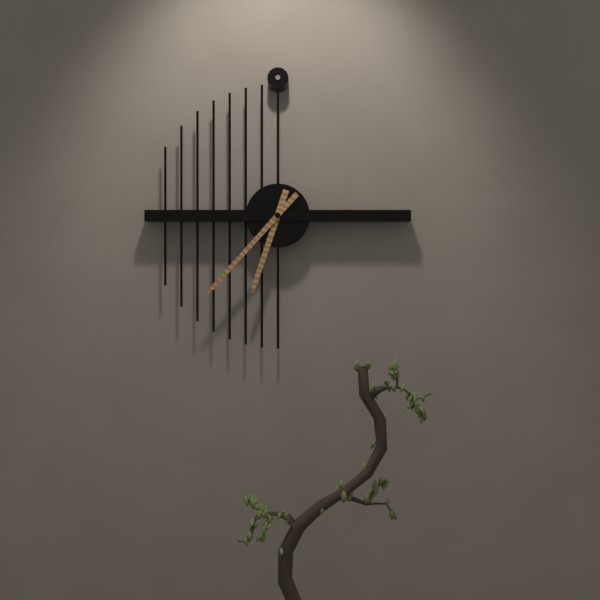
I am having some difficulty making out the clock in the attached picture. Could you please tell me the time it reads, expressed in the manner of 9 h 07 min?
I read 6 h 37 min
